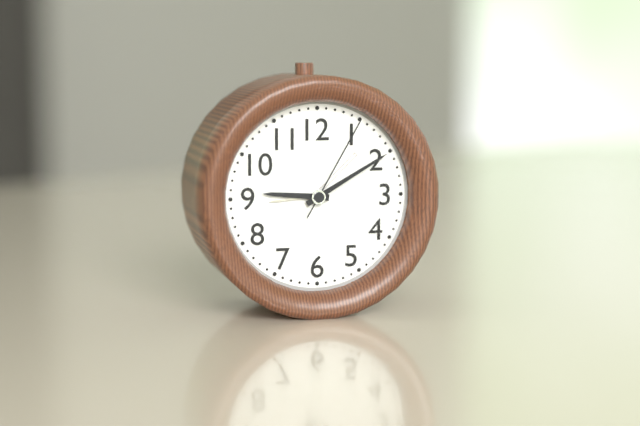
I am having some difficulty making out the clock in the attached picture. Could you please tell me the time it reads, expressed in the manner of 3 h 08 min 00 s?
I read 9 h 10 min 05 s
